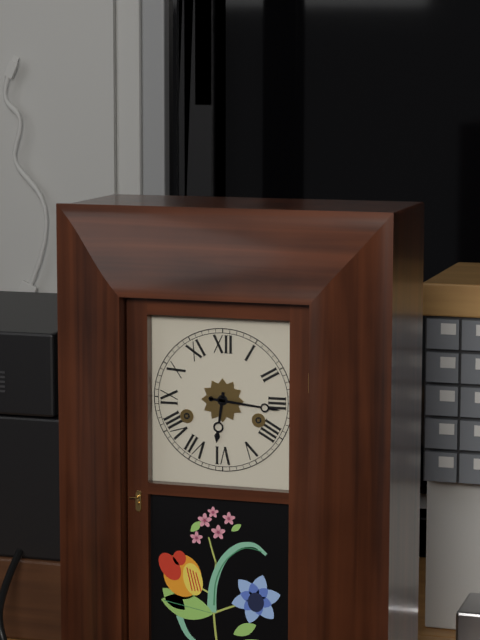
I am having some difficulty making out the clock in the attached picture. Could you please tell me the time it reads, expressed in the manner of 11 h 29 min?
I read 6 h 16 min
